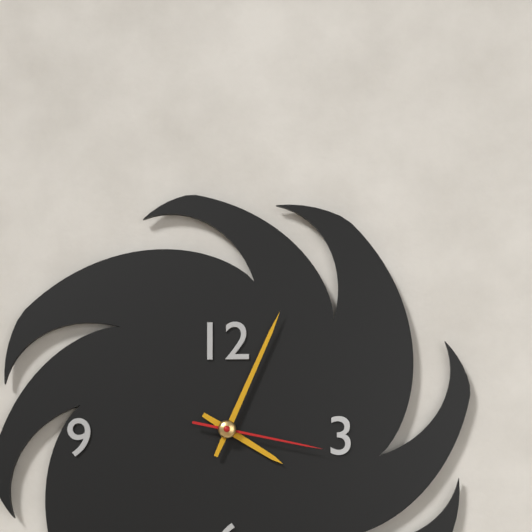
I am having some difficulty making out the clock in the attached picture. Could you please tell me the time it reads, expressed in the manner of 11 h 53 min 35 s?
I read 4 h 04 min 17 s
